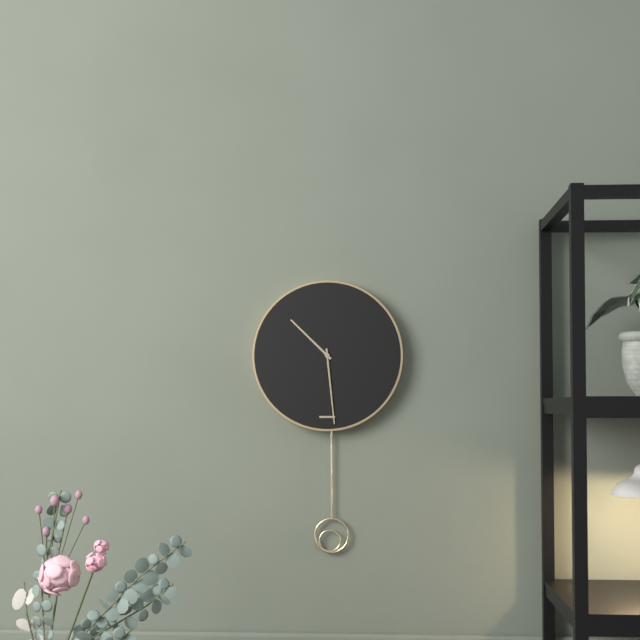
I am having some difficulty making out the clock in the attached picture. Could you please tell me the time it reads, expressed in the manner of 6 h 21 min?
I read 10 h 29 min
